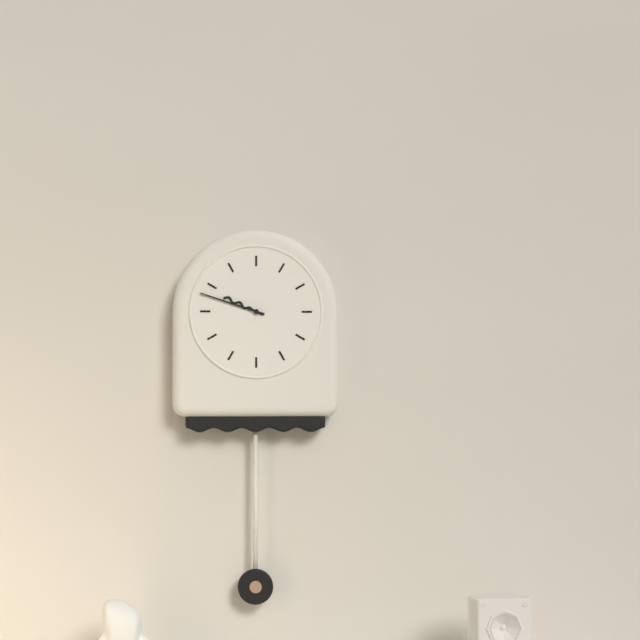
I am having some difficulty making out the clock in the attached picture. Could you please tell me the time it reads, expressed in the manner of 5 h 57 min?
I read 9 h 48 min
